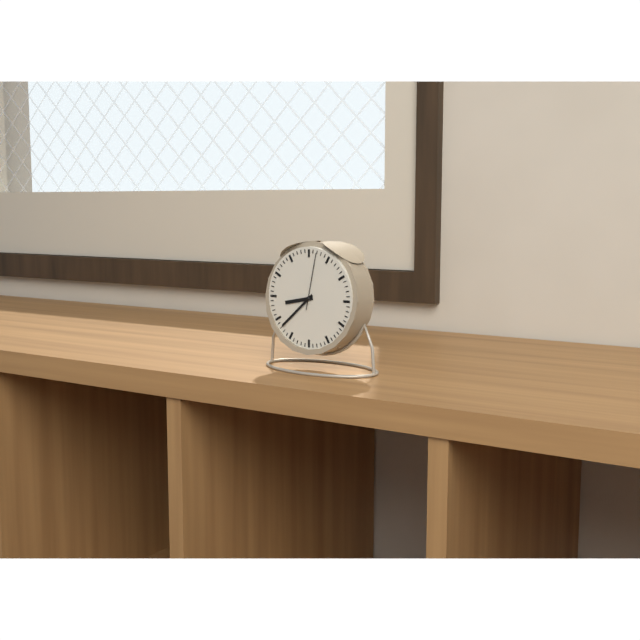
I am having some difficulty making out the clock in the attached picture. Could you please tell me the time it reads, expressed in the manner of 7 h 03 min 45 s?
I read 8 h 38 min 02 s
